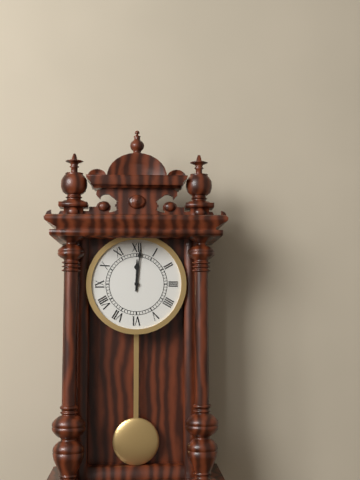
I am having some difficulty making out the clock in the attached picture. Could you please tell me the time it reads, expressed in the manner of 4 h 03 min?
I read 12 h 01 min
